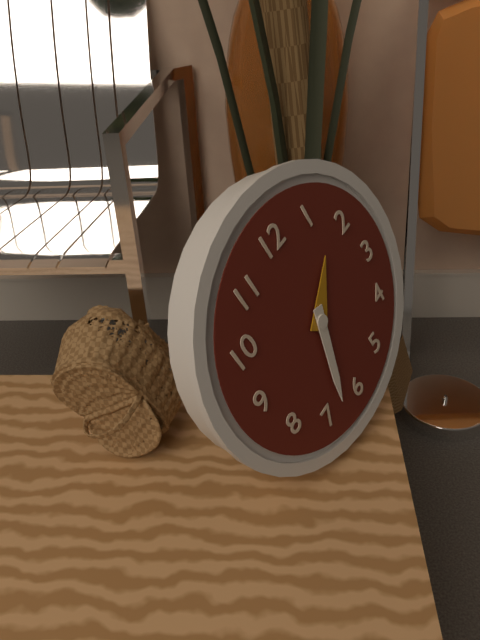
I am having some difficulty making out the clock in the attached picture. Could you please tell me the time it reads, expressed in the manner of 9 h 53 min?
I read 1 h 33 min
